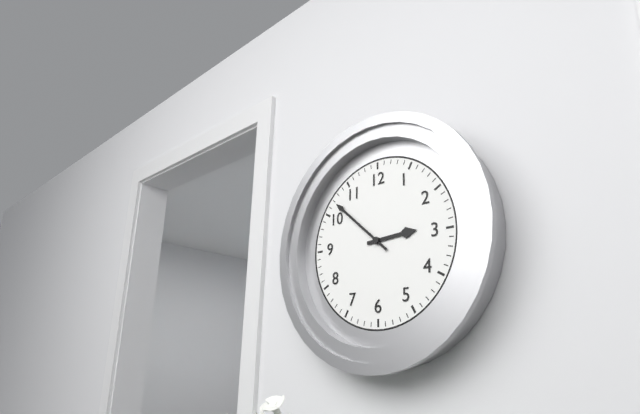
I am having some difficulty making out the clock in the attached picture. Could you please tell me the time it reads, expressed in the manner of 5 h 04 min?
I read 2 h 52 min
